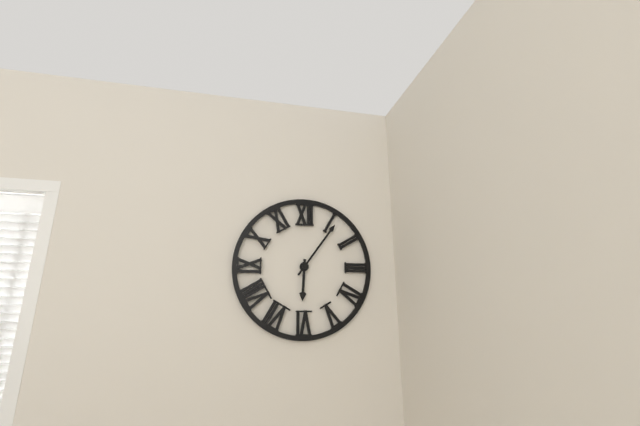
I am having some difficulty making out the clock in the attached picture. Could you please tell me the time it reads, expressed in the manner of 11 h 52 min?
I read 6 h 06 min
